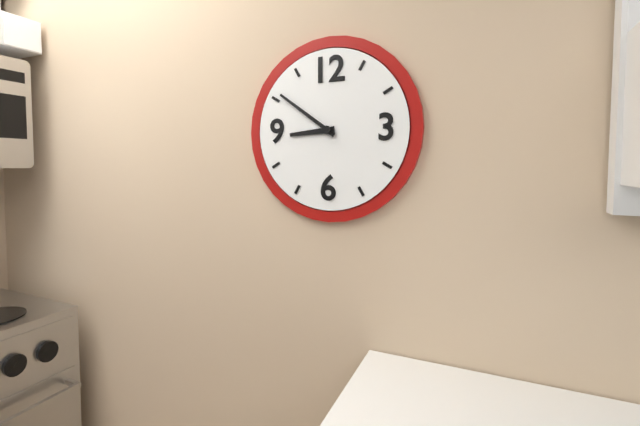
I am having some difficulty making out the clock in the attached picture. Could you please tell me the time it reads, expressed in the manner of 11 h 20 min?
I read 8 h 51 min
